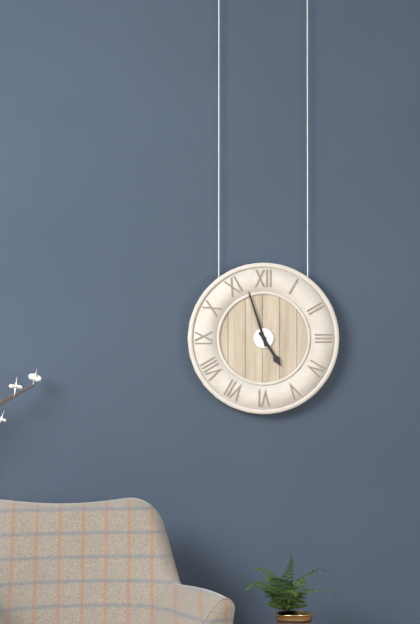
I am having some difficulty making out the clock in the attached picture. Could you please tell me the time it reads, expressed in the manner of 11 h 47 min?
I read 4 h 57 min
